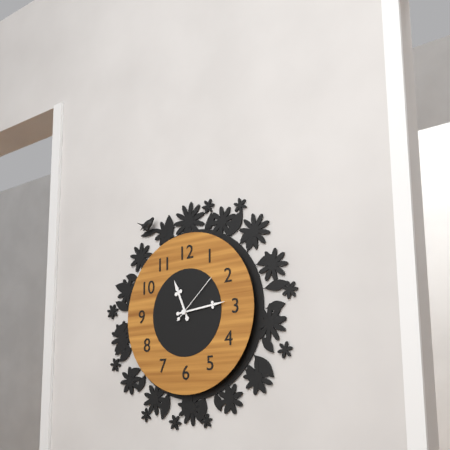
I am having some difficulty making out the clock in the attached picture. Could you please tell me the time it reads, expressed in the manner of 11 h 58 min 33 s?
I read 11 h 14 min 08 s
